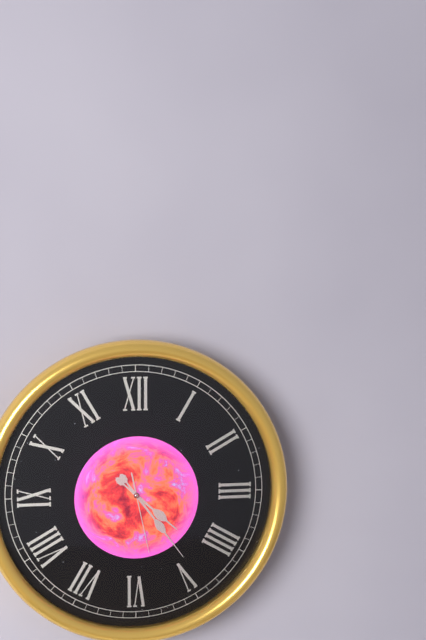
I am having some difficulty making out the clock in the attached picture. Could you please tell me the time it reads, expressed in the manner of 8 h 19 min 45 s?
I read 4 h 24 min 28 s
